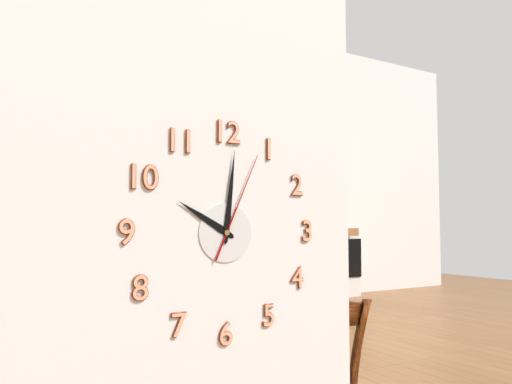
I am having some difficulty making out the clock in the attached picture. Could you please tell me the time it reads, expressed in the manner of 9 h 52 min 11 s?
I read 10 h 01 min 04 s
